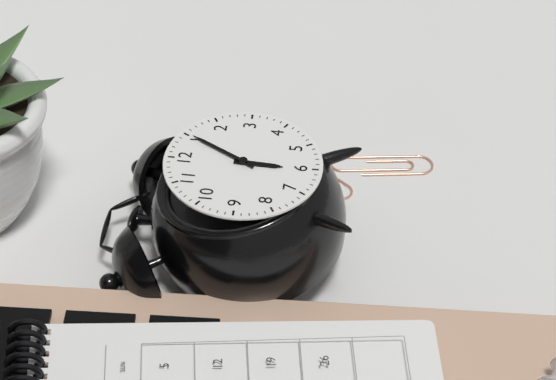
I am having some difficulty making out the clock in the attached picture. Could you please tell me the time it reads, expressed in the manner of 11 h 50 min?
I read 6 h 05 min
